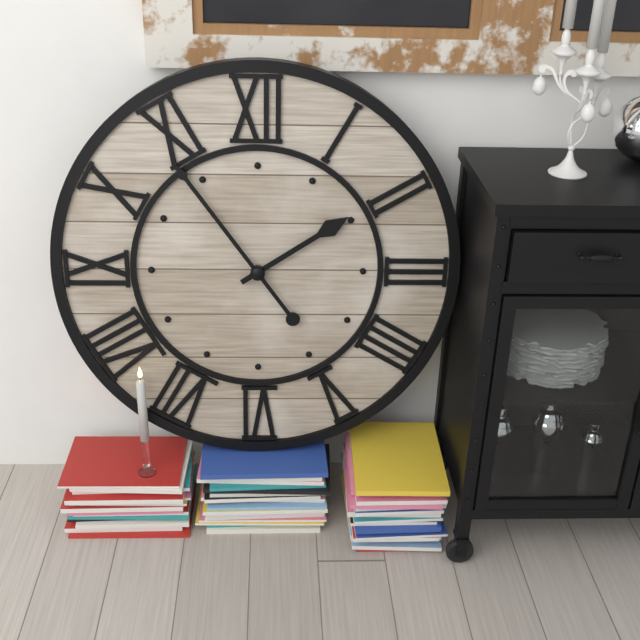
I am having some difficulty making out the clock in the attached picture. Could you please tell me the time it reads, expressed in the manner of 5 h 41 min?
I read 1 h 54 min
